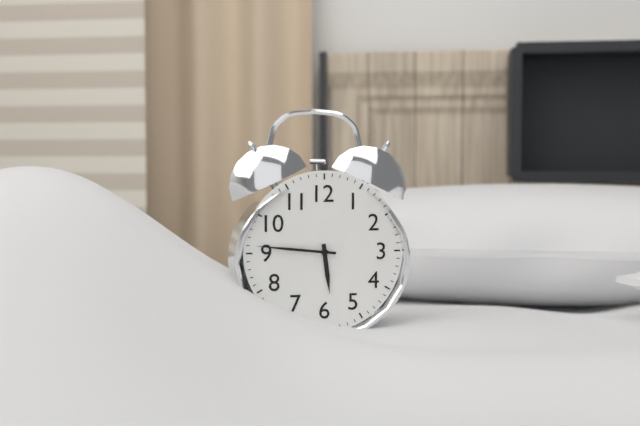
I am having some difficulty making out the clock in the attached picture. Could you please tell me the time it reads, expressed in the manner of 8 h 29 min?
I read 5 h 46 min
